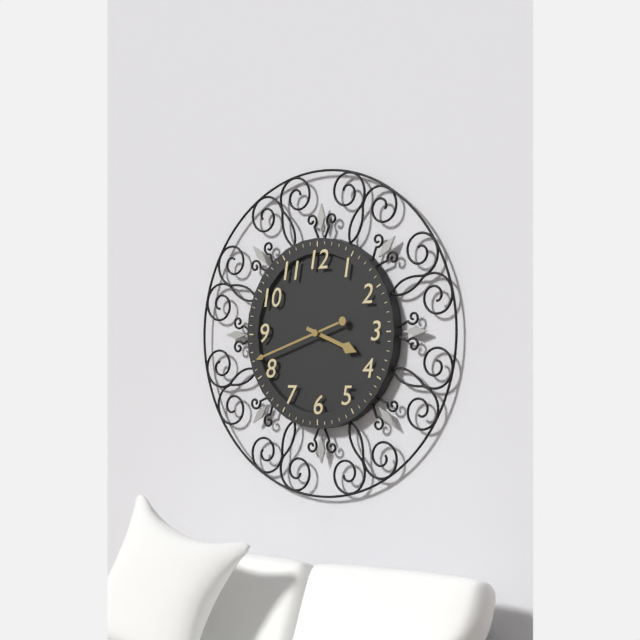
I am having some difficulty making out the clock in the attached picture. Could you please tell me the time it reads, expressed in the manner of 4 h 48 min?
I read 3 h 42 min
